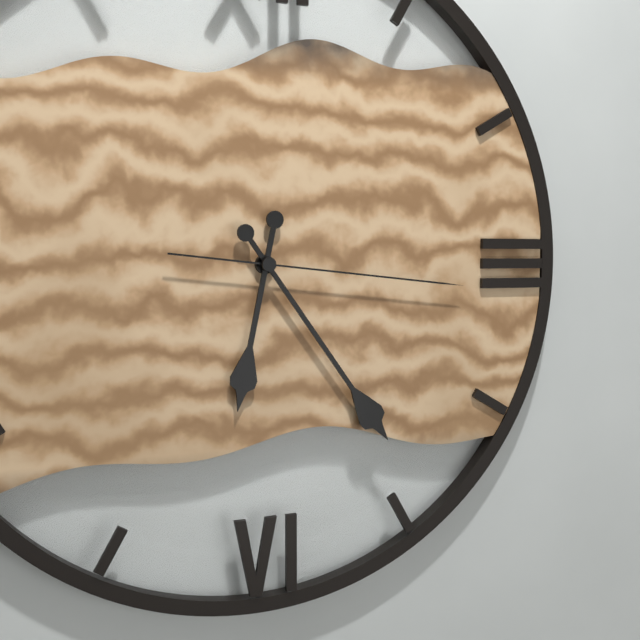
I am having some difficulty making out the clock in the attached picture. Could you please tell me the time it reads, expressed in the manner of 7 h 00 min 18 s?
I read 6 h 24 min 16 s
